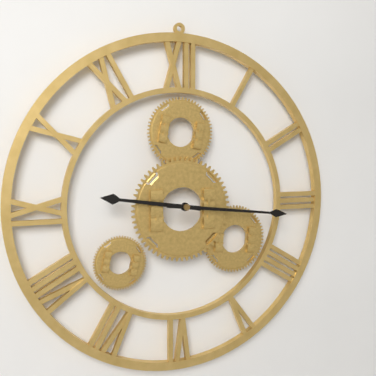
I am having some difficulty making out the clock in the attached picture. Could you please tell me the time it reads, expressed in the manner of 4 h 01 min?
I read 9 h 16 min
